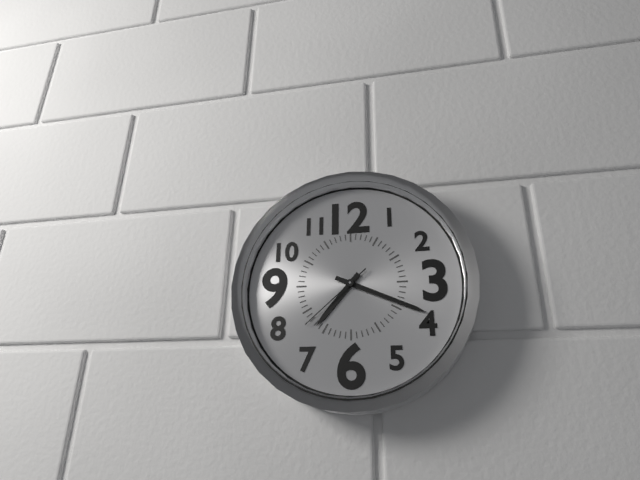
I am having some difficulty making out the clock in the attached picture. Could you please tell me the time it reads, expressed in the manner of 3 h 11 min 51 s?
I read 7 h 19 min 38 s
